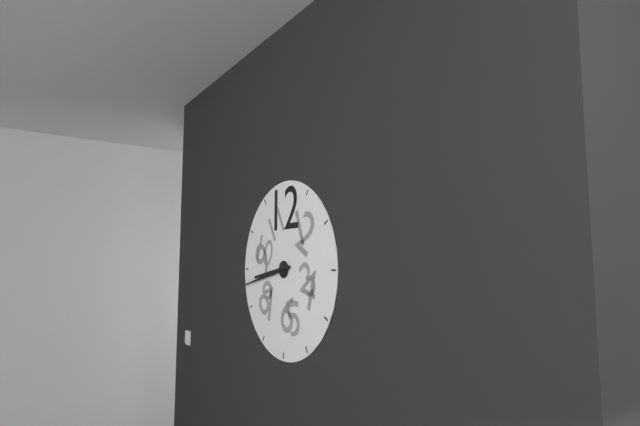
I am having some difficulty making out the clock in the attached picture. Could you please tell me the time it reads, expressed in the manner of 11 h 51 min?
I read 8 h 43 min
